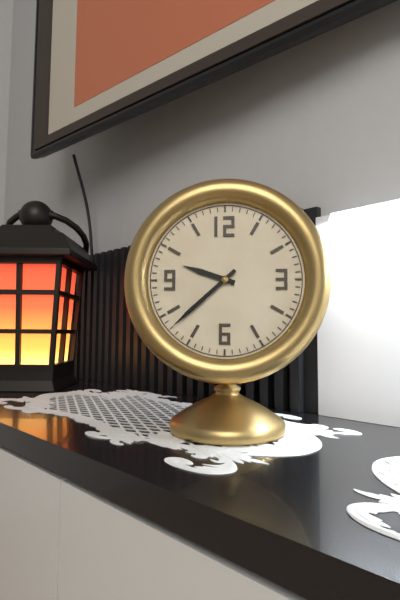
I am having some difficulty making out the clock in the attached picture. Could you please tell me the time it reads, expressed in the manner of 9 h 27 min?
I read 9 h 38 min
